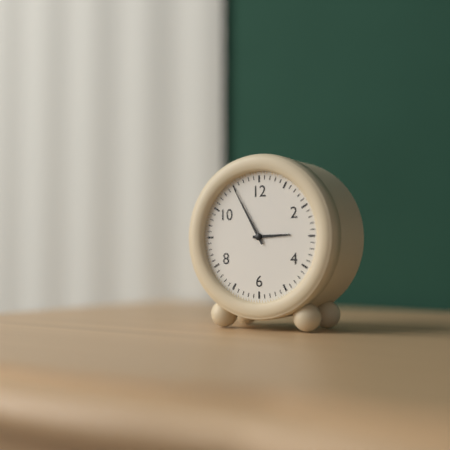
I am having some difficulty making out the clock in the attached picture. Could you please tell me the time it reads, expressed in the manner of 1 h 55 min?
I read 2 h 55 min
